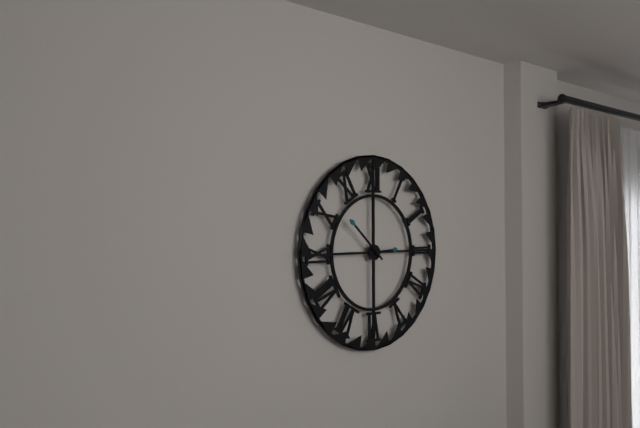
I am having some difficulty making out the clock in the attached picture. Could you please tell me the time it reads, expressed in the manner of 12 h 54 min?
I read 2 h 52 min
